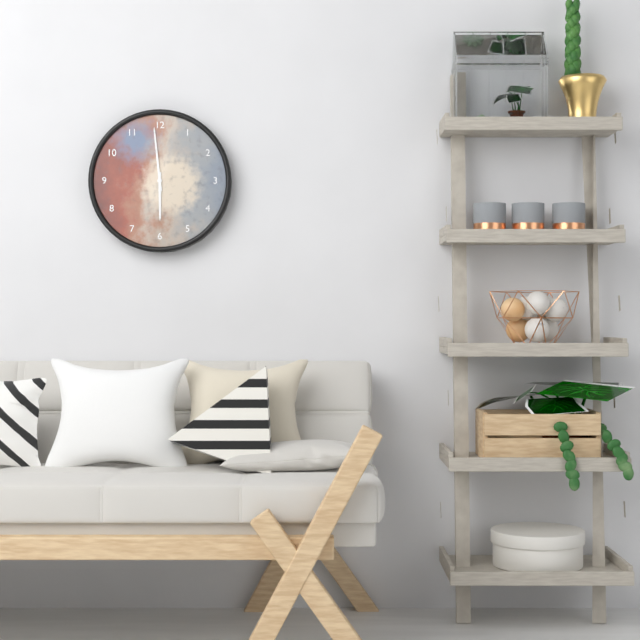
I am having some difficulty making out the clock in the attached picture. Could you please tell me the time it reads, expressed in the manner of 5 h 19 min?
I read 5 h 59 min
